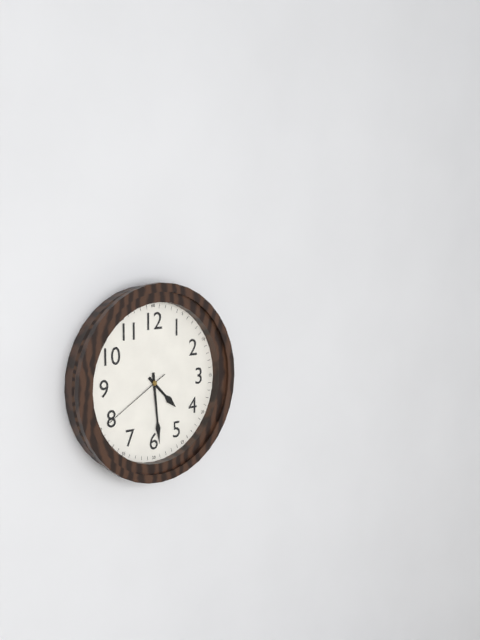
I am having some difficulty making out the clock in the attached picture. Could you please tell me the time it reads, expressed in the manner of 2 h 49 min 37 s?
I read 4 h 29 min 40 s
